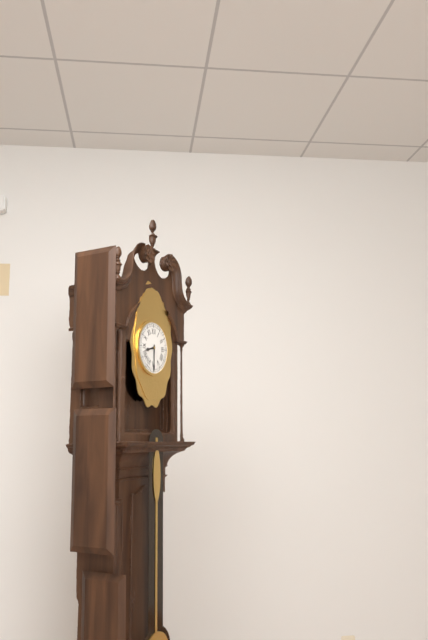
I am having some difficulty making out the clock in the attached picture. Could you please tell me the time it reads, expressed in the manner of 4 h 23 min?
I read 8 h 30 min
